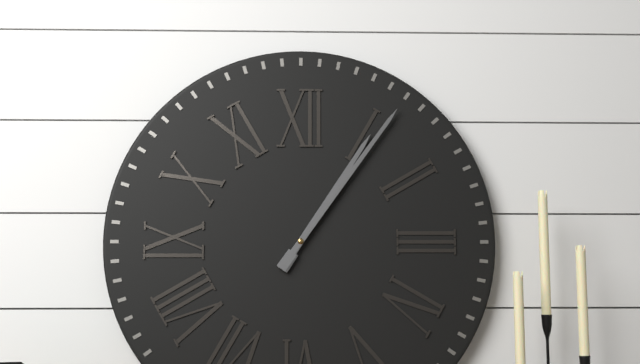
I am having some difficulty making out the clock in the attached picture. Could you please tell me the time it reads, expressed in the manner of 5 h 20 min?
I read 1 h 06 min
